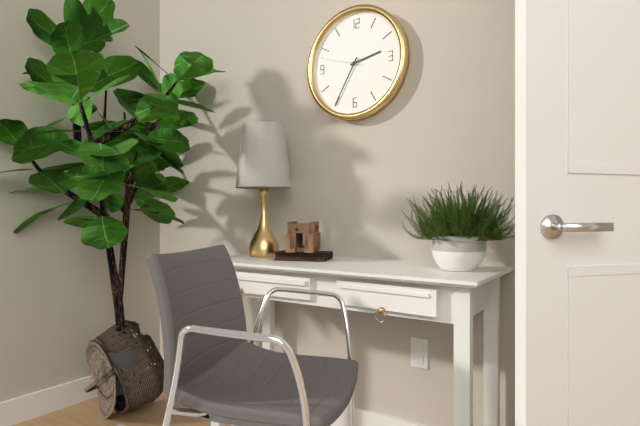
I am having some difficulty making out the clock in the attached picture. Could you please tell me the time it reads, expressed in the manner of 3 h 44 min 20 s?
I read 2 h 35 min 48 s
